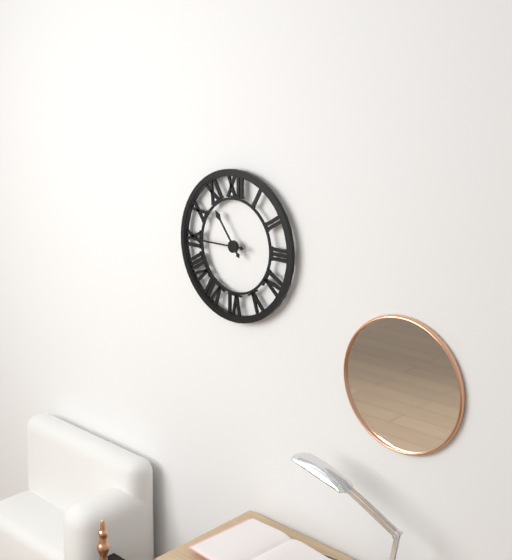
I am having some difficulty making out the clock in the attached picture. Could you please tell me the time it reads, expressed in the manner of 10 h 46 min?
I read 10 h 45 min
